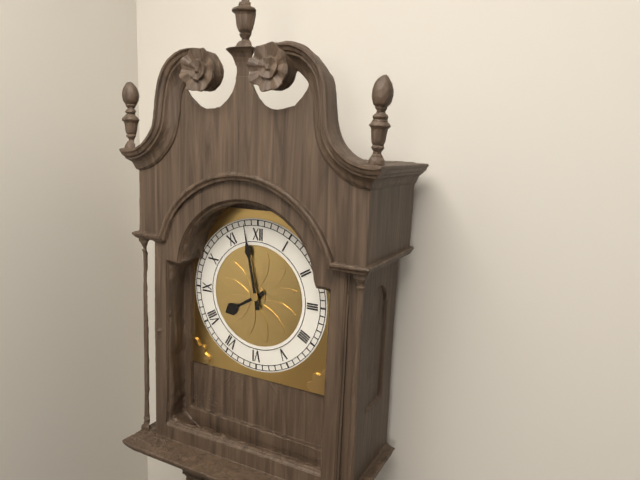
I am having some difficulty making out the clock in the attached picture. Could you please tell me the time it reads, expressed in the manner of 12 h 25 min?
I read 7 h 58 min
